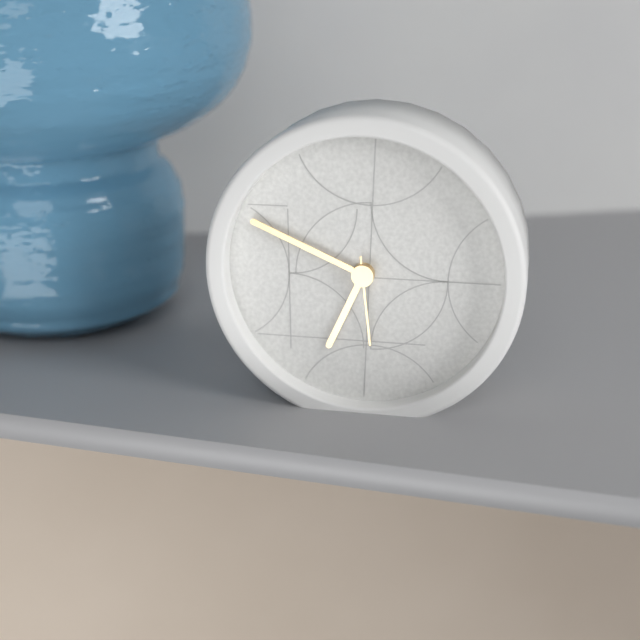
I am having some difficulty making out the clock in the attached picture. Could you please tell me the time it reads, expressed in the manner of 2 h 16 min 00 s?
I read 6 h 49 min 29 s
